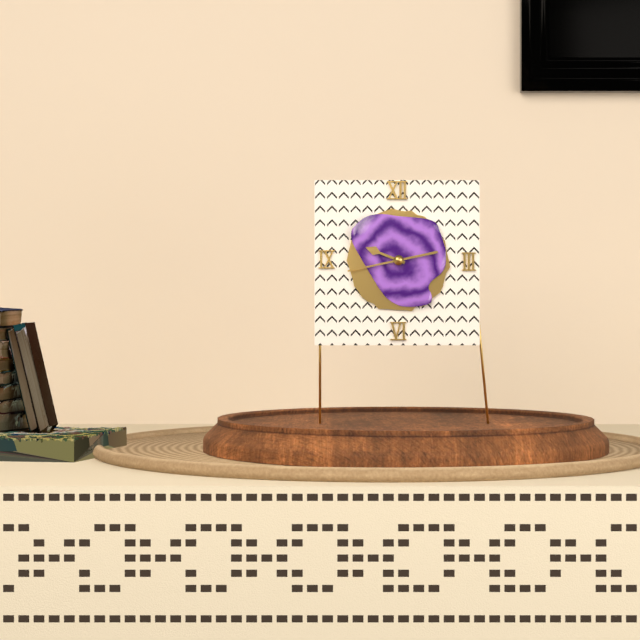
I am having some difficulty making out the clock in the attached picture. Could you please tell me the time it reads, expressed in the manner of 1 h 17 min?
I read 9 h 43 min
